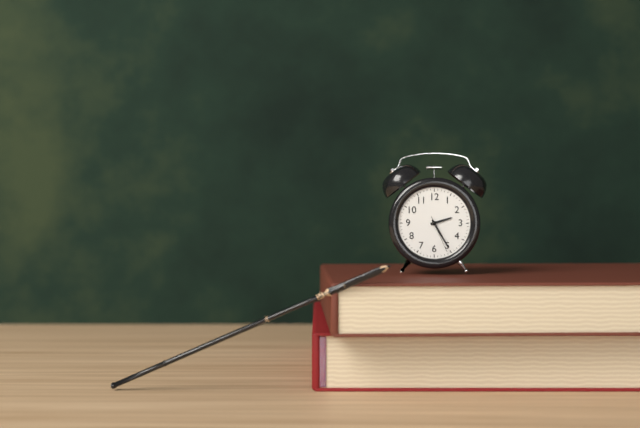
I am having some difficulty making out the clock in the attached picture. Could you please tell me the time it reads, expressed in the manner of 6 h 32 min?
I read 2 h 25 min
